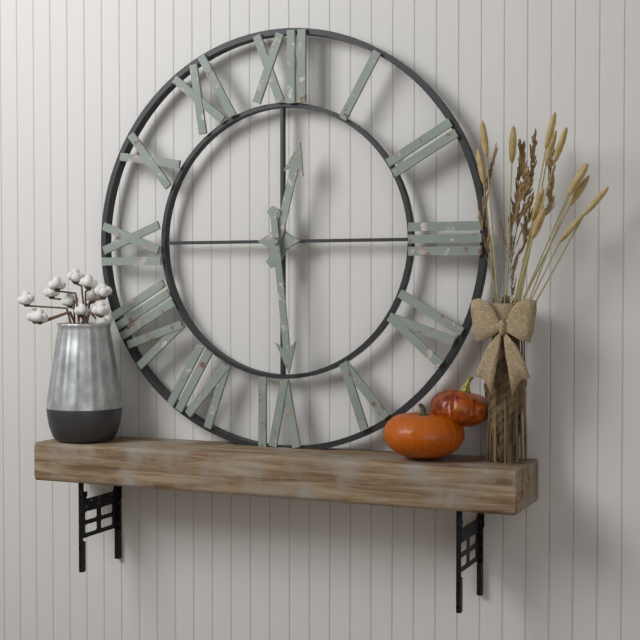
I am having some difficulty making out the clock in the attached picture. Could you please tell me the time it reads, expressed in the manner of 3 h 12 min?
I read 12 h 29 min
